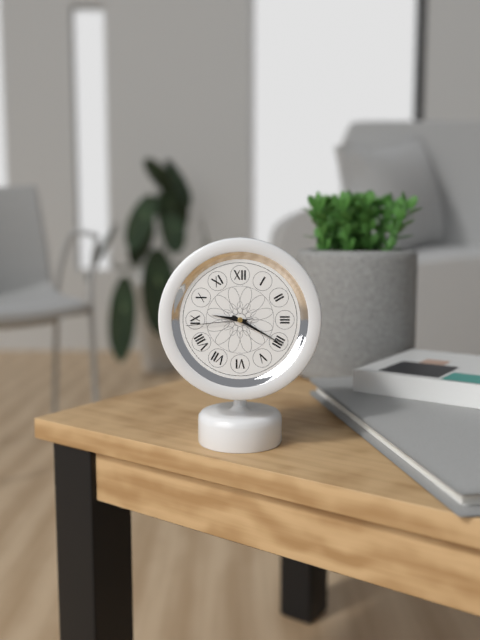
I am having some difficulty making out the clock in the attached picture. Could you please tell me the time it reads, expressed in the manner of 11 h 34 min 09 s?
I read 9 h 20 min 44 s
